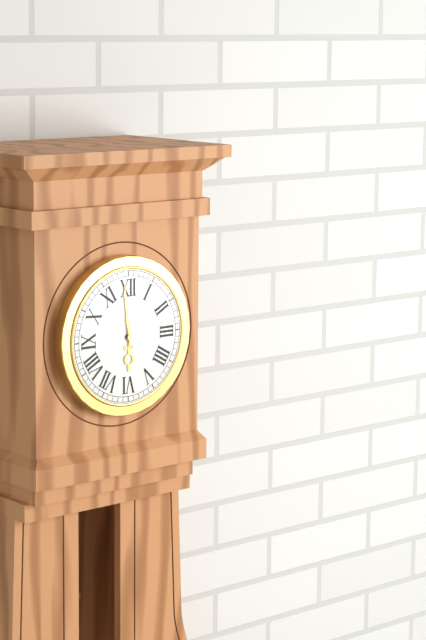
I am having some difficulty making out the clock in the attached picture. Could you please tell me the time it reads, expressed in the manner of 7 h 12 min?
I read 5 h 59 min
